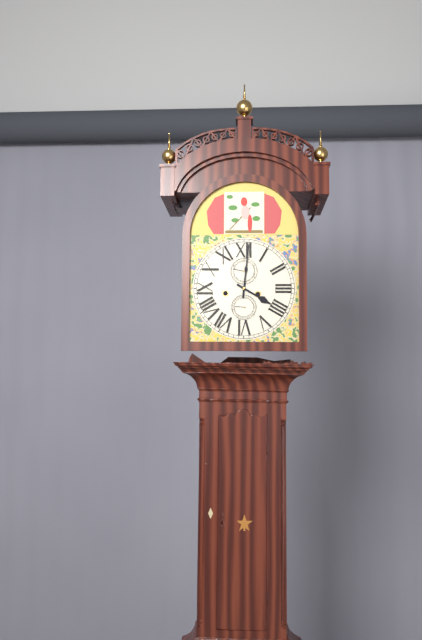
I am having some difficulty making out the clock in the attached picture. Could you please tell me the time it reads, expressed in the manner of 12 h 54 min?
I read 4 h 01 min
